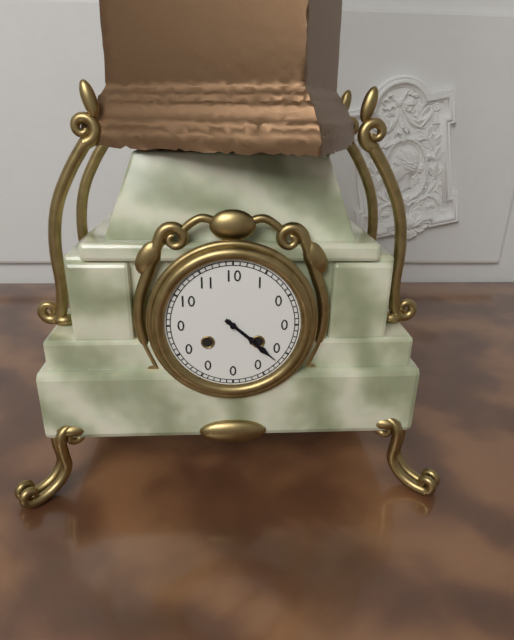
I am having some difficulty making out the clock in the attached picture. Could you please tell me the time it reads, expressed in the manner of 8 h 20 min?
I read 4 h 22 min
